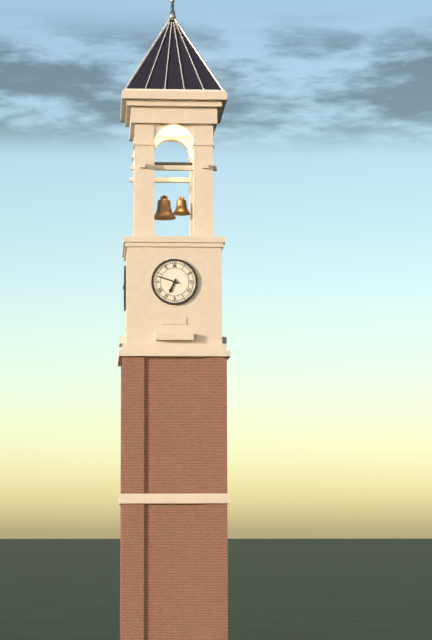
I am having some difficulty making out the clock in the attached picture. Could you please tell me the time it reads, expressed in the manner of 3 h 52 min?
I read 6 h 48 min
